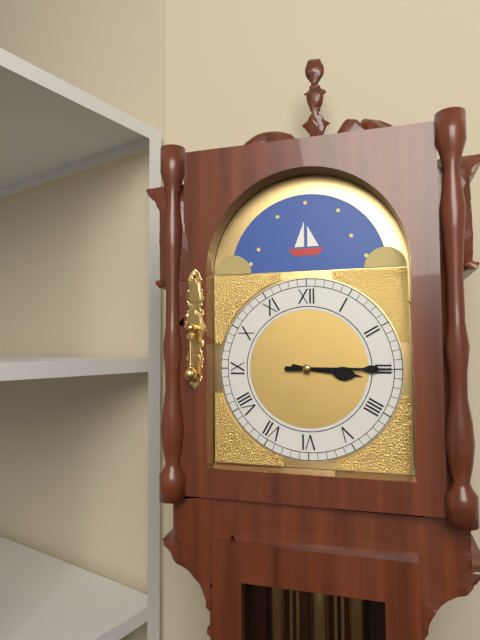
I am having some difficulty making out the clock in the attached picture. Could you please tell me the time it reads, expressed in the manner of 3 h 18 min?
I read 3 h 15 min
